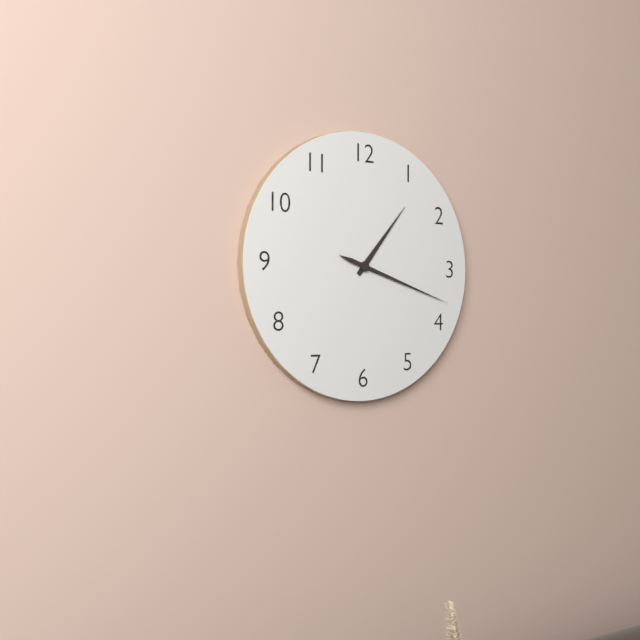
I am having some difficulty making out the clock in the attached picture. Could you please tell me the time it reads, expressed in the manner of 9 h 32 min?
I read 1 h 18 min
